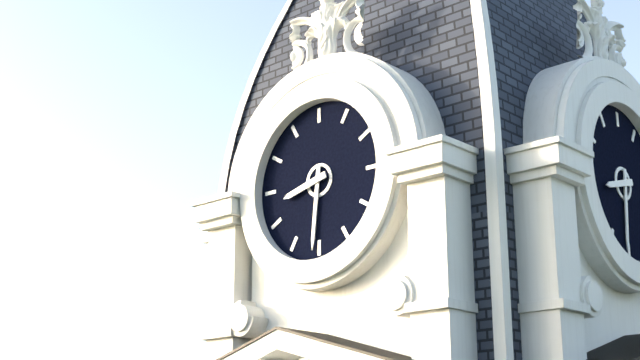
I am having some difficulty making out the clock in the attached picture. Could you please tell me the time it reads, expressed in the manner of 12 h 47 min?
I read 8 h 31 min
